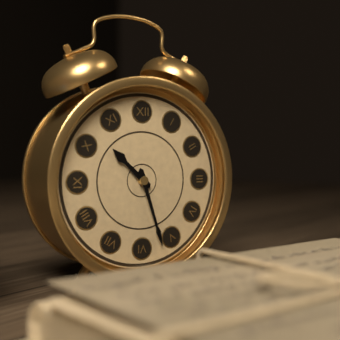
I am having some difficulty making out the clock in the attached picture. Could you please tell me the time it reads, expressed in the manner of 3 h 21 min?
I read 10 h 27 min
